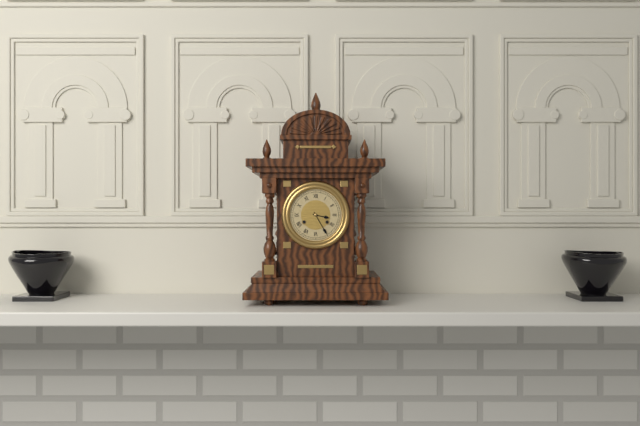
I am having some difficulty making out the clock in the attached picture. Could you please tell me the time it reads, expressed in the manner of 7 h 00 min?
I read 3 h 25 min
